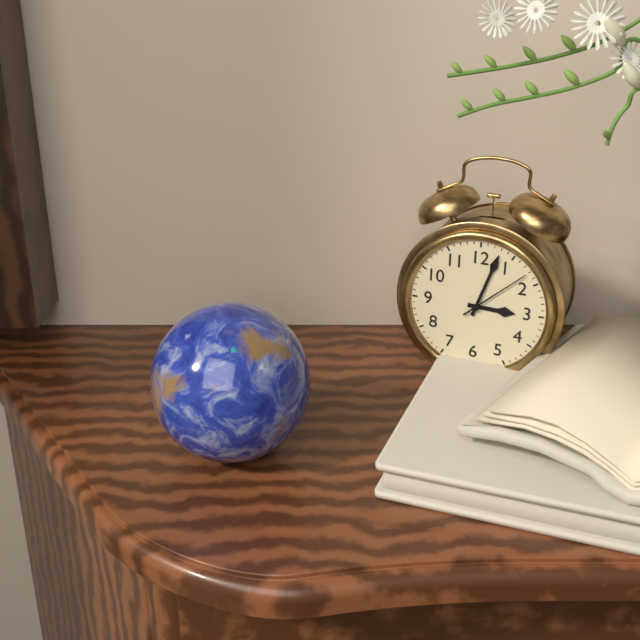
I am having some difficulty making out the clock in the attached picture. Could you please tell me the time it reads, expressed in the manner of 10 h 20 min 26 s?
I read 3 h 03 min 08 s
